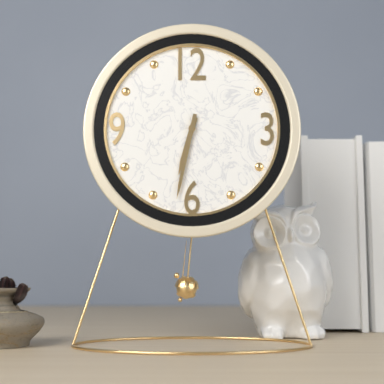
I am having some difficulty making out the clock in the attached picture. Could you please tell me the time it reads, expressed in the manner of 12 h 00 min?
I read 6 h 32 min
